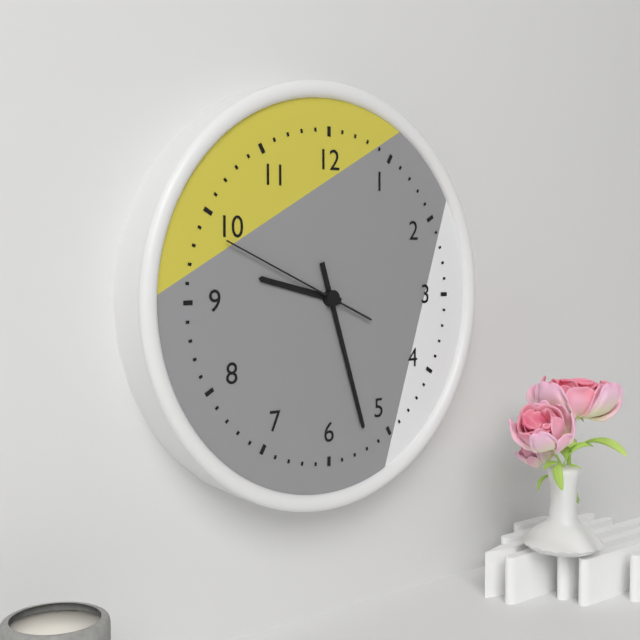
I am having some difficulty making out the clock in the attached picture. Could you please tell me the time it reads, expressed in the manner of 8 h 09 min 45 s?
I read 9 h 27 min 49 s
